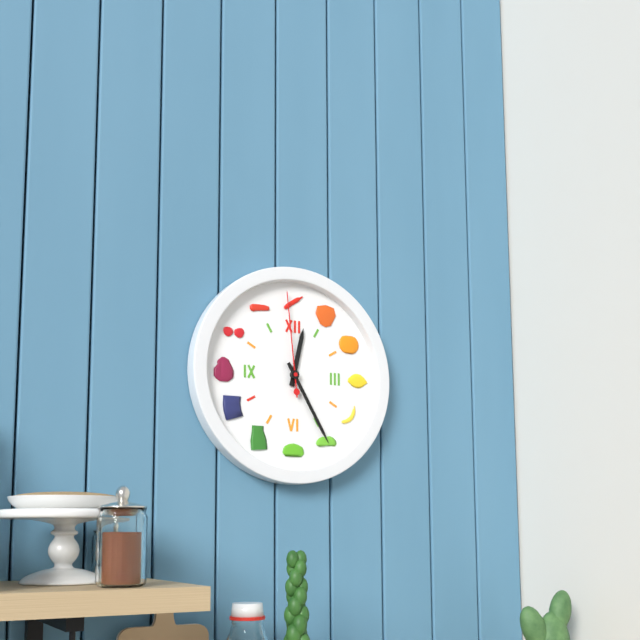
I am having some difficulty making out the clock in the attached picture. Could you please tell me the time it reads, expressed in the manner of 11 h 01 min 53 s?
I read 12 h 25 min 59 s
